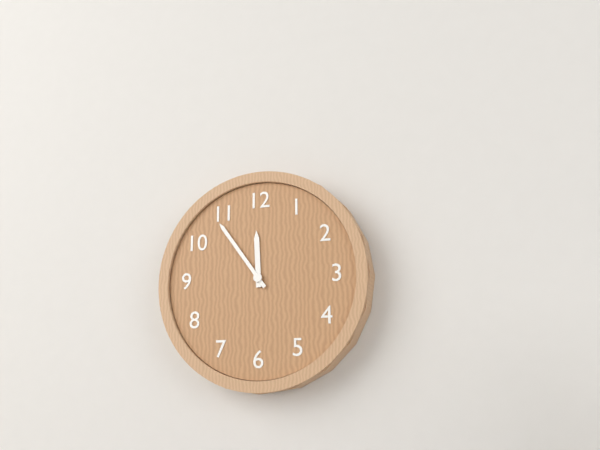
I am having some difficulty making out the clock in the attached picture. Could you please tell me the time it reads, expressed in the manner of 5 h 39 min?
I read 11 h 54 min
